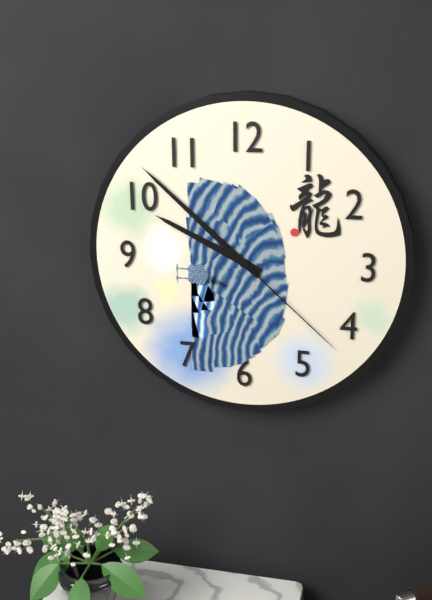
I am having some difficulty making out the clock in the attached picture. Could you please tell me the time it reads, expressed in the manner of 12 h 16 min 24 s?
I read 9 h 52 min 22 s
